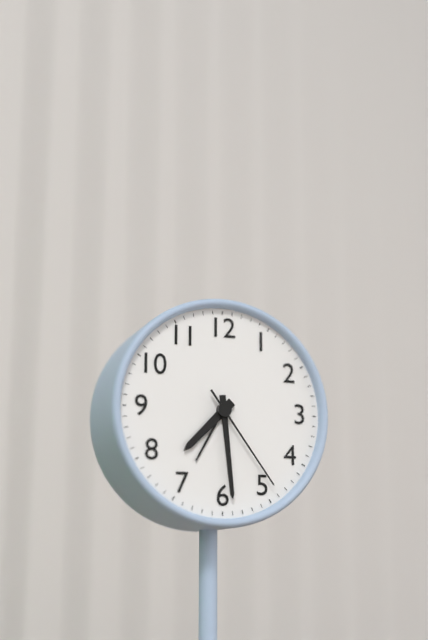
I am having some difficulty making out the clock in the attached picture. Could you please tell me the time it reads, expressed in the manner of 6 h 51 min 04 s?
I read 7 h 29 min 24 s
